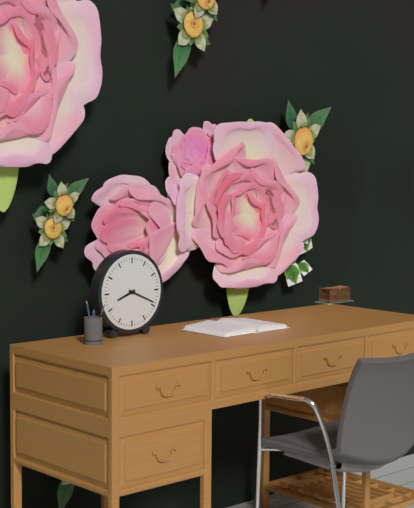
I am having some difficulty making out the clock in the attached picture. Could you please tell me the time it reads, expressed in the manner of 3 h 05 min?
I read 8 h 19 min
